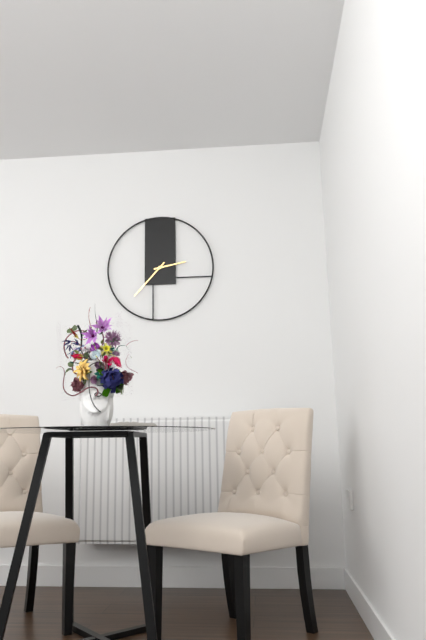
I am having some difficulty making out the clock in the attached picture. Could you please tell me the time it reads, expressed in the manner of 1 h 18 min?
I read 2 h 37 min
